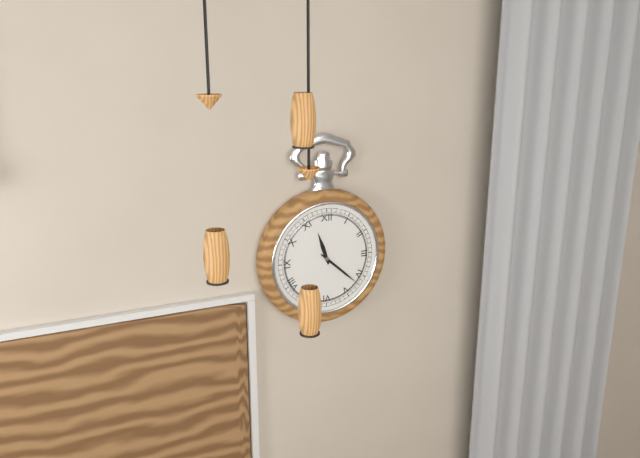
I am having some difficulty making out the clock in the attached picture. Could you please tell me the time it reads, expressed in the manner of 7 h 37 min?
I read 11 h 22 min
